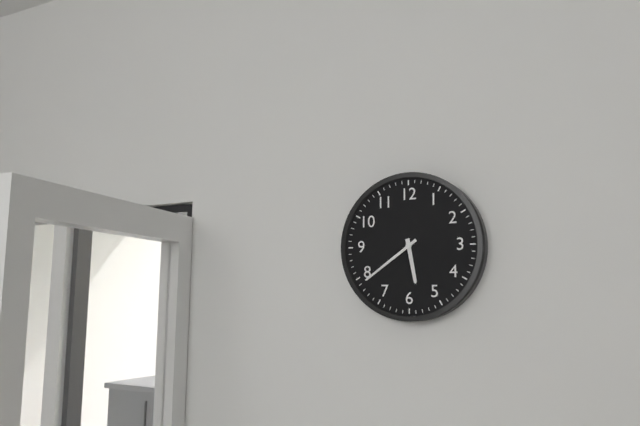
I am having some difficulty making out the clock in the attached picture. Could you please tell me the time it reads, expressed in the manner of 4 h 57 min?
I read 5 h 39 min
